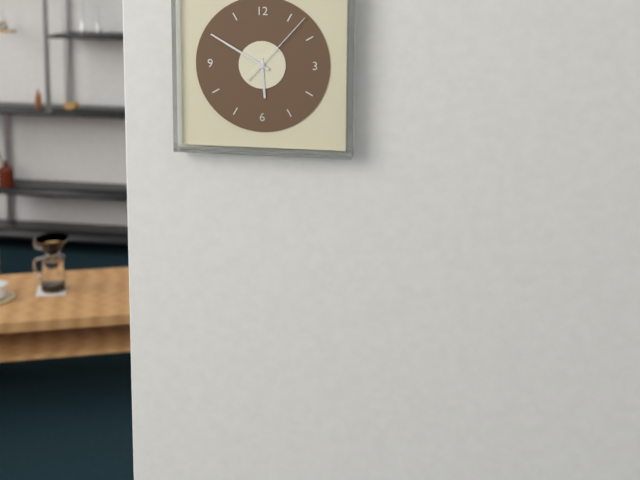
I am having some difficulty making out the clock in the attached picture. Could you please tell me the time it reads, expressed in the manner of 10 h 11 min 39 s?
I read 5 h 50 min 07 s
